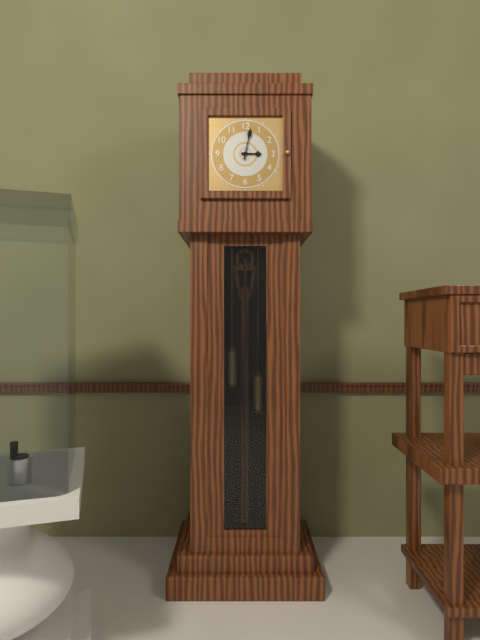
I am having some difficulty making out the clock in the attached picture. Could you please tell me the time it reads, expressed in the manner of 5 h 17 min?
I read 3 h 02 min
